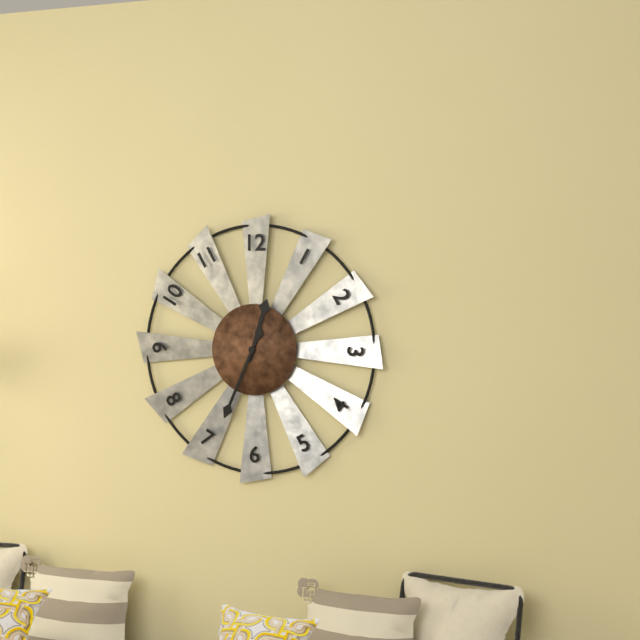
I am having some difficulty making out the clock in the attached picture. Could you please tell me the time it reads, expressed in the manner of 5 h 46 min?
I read 12 h 34 min
